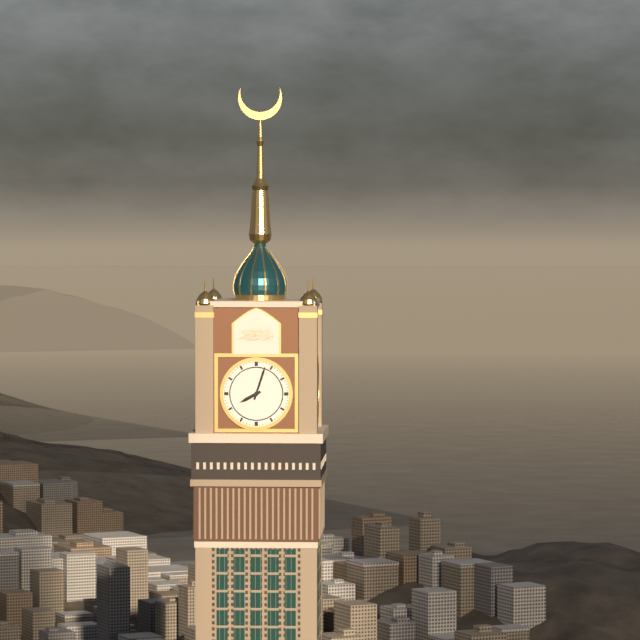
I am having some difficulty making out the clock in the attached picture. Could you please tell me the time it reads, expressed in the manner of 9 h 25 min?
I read 8 h 03 min
